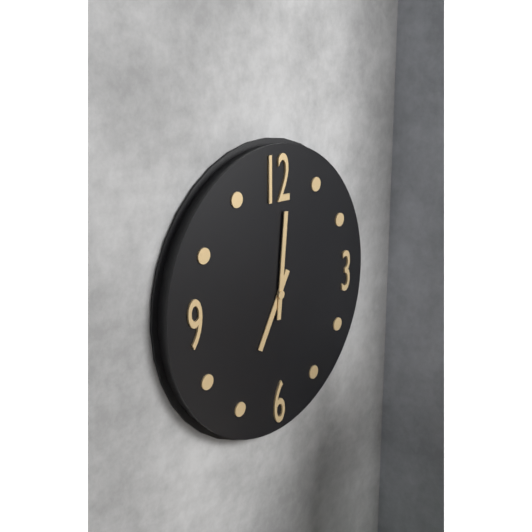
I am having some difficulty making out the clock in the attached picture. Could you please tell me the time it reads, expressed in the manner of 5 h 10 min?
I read 7 h 01 min
